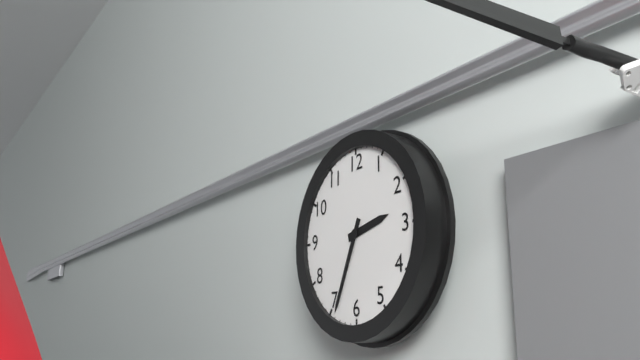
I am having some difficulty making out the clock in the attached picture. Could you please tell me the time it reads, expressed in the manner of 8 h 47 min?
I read 2 h 34 min
